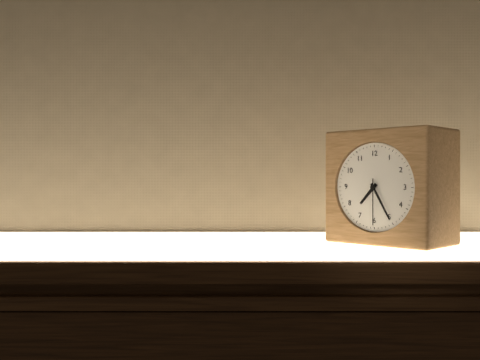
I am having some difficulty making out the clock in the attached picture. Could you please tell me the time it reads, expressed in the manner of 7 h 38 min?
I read 7 h 25 min
